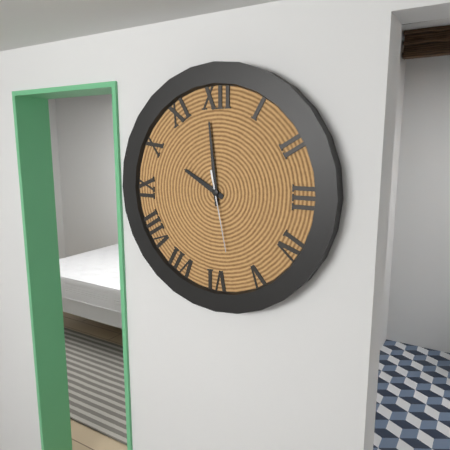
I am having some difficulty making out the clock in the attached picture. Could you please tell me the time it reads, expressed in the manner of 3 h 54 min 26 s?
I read 9 h 59 min 28 s
